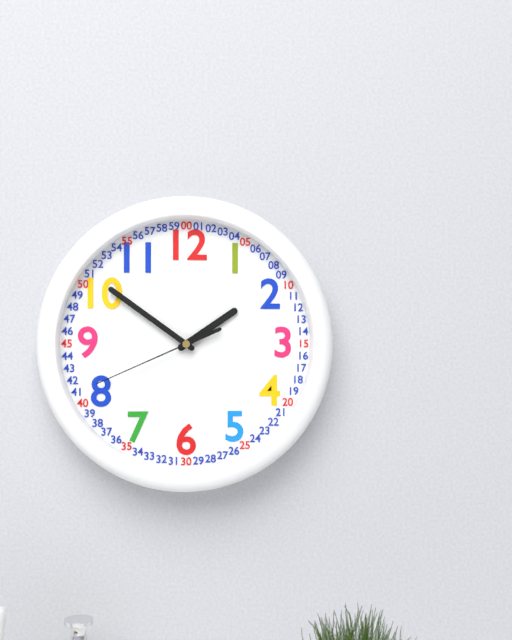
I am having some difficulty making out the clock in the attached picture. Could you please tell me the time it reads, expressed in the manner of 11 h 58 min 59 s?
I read 1 h 51 min 41 s
